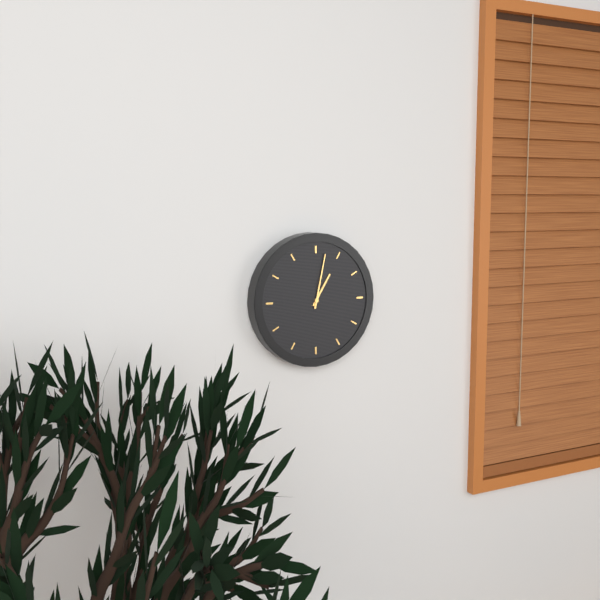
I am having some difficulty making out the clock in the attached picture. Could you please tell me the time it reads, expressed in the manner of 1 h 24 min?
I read 1 h 02 min
